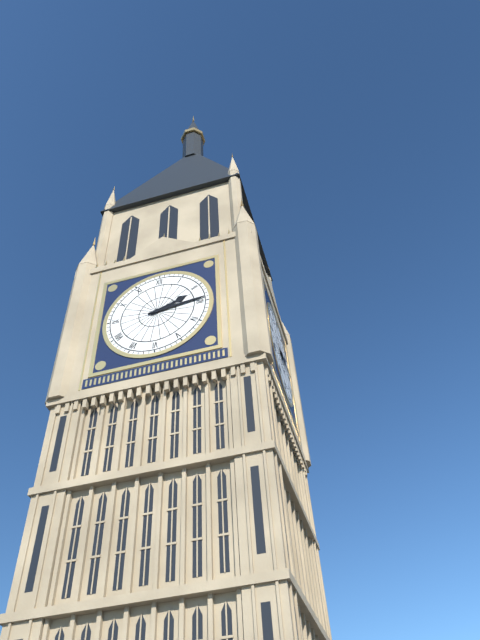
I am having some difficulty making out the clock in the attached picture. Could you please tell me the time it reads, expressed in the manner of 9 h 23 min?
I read 2 h 14 min
